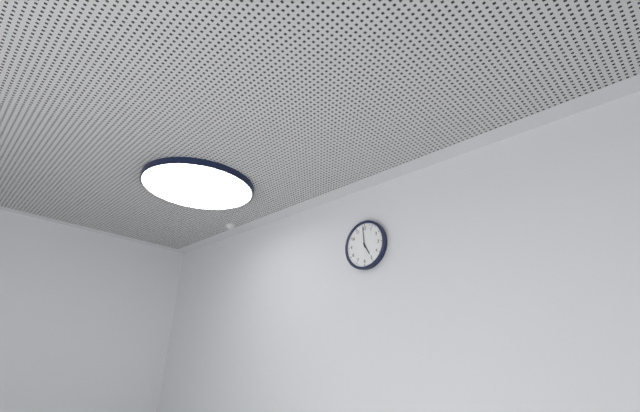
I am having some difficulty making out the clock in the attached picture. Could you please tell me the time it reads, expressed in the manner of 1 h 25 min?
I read 4 h 59 min
